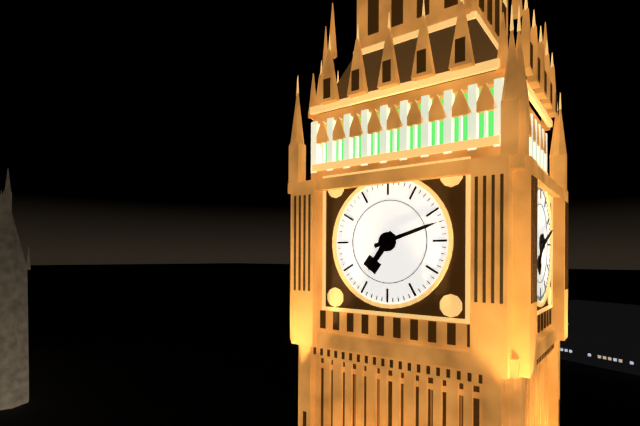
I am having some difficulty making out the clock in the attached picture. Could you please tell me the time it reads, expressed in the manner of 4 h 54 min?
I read 7 h 12 min
